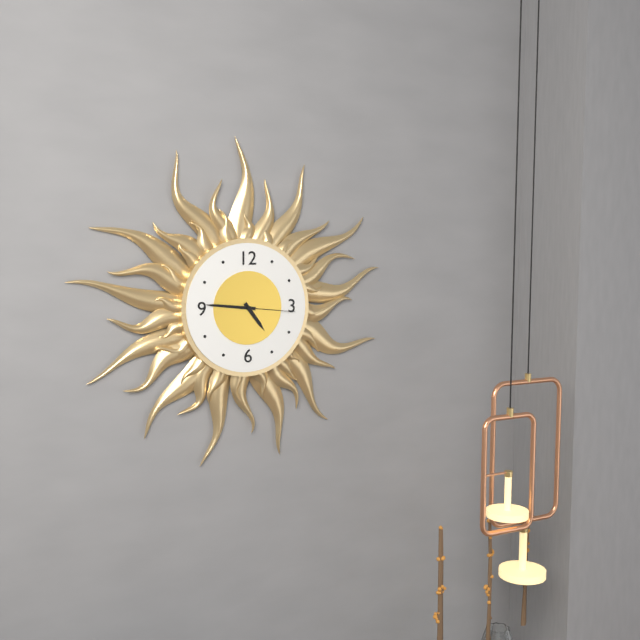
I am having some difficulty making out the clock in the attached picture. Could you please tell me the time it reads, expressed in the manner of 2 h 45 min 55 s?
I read 4 h 46 min 16 s
